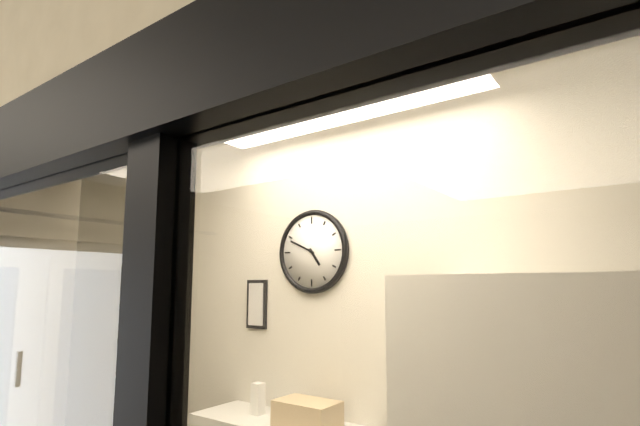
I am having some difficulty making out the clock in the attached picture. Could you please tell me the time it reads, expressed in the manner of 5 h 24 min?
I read 4 h 49 min
